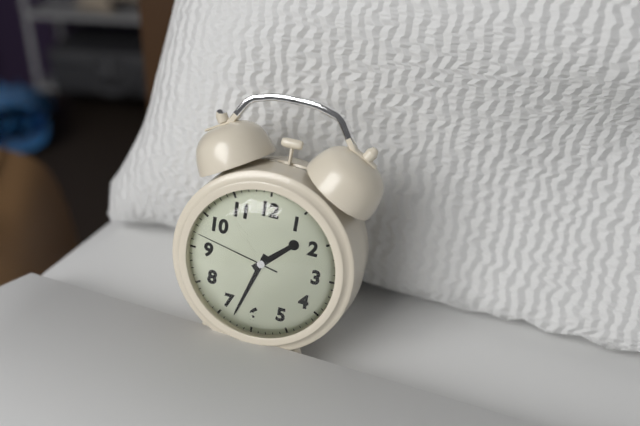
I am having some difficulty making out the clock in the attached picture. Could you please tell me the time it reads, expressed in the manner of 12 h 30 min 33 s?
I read 1 h 33 min 47 s
